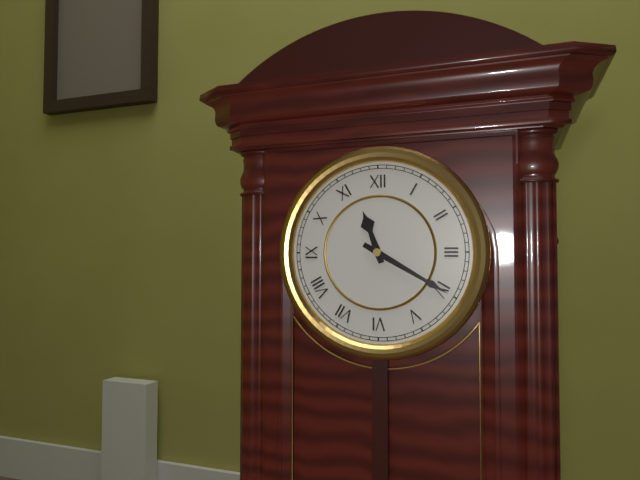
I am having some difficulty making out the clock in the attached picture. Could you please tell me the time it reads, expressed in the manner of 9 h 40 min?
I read 11 h 20 min
